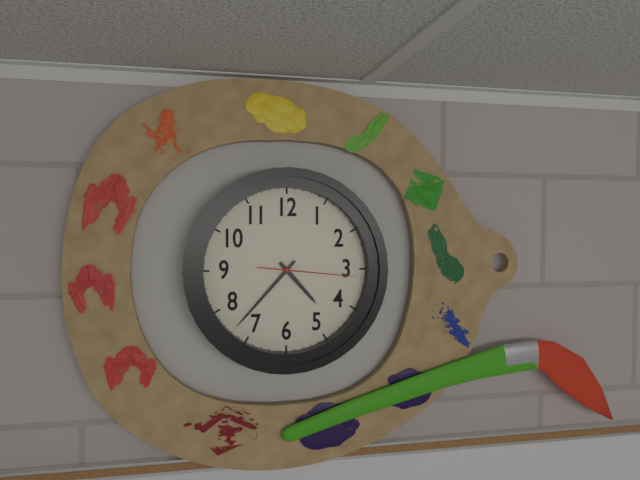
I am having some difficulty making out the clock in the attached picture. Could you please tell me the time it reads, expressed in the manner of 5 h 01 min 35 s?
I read 4 h 37 min 16 s
